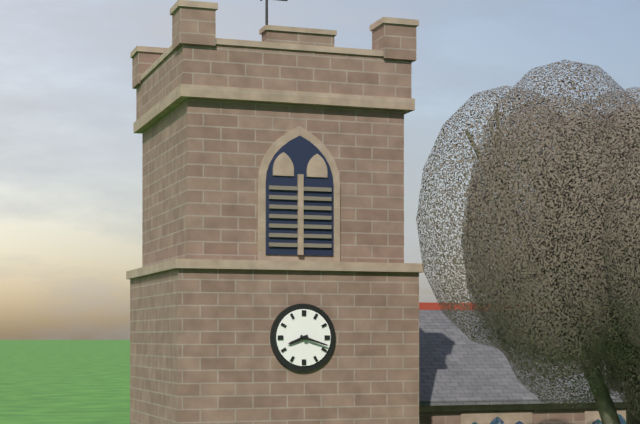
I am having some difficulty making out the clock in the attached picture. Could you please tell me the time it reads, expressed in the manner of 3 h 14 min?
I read 8 h 18 min
